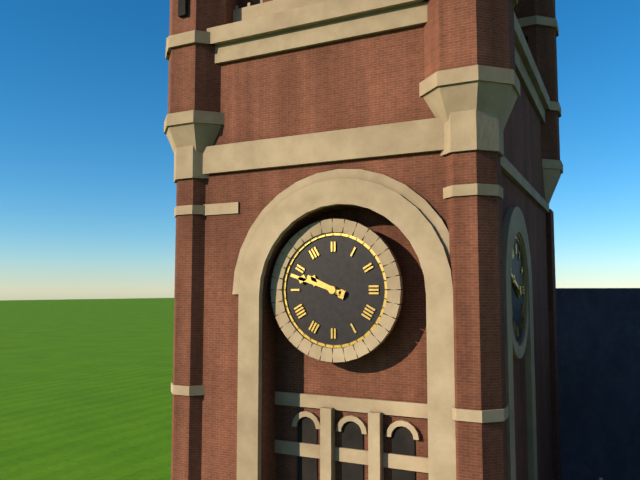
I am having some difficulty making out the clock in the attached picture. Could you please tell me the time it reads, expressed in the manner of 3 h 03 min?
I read 9 h 48 min
